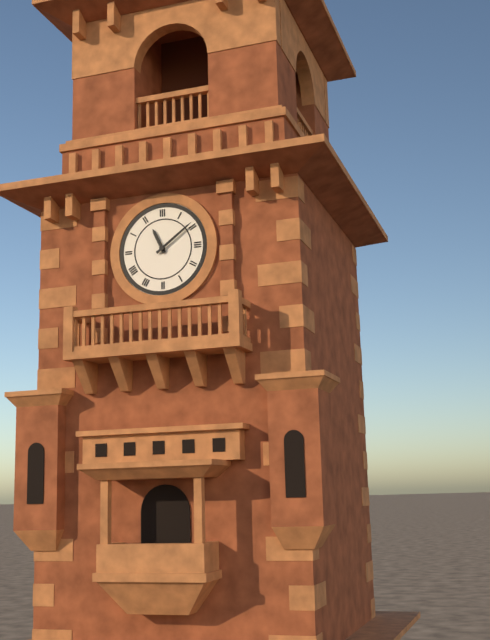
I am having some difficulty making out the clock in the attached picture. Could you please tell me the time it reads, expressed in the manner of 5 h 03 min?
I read 11 h 09 min
